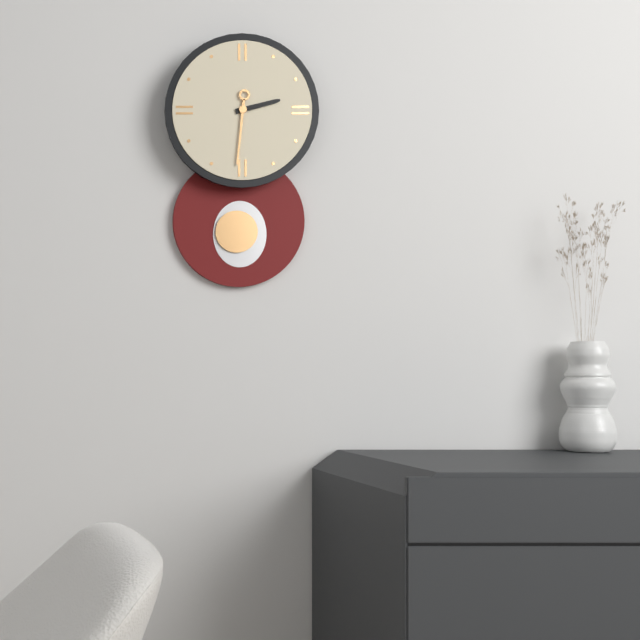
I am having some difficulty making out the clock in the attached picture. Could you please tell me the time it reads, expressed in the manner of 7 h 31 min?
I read 2 h 31 min
